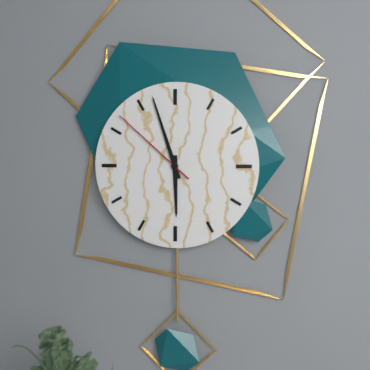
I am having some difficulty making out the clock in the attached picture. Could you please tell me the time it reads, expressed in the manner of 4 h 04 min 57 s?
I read 5 h 57 min 52 s
